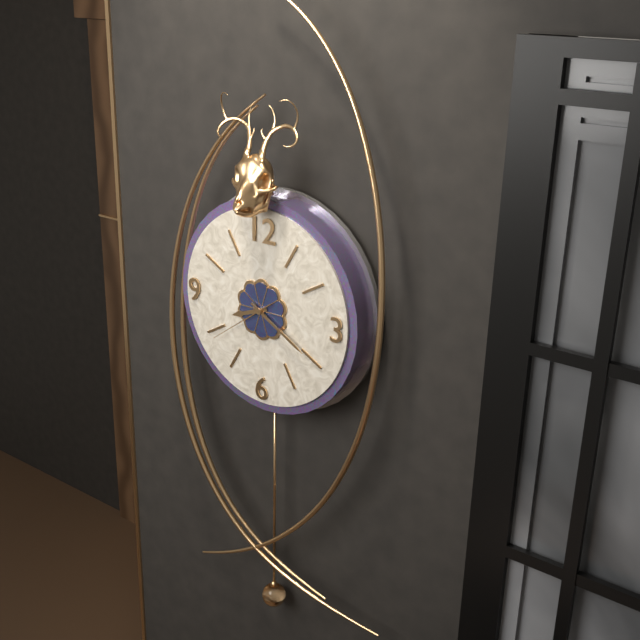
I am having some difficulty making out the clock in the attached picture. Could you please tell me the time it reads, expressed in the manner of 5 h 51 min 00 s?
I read 8 h 20 min 39 s
